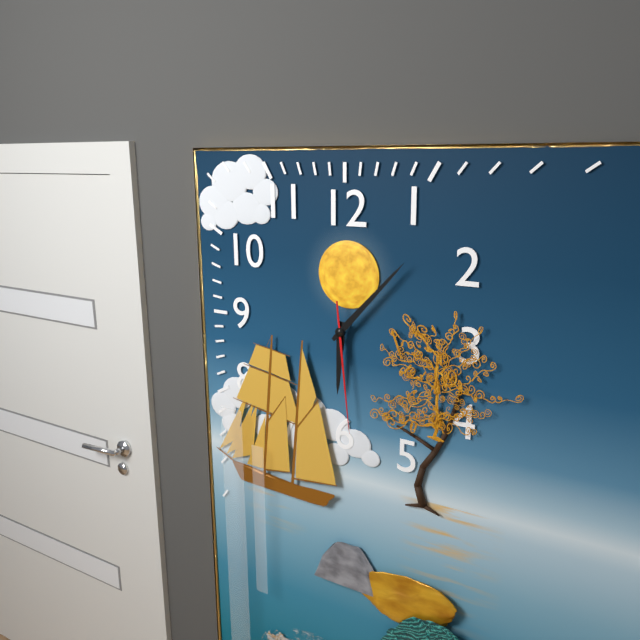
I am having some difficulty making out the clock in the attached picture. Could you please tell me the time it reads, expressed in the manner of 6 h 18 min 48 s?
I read 6 h 07 min 29 s
